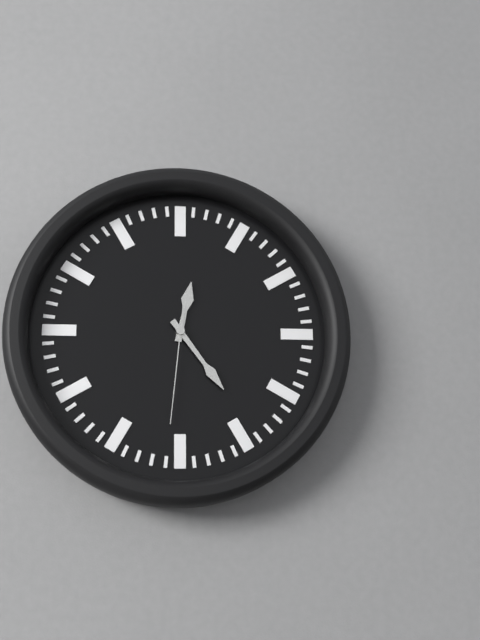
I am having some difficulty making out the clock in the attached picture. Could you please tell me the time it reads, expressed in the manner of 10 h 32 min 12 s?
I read 12 h 24 min 31 s
